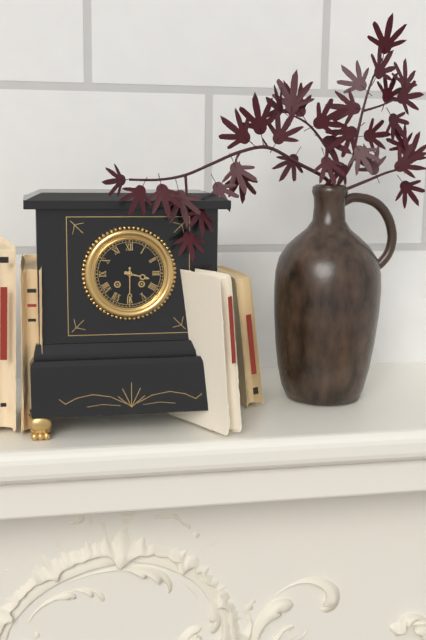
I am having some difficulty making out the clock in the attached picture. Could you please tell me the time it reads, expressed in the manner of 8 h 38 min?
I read 3 h 30 min
